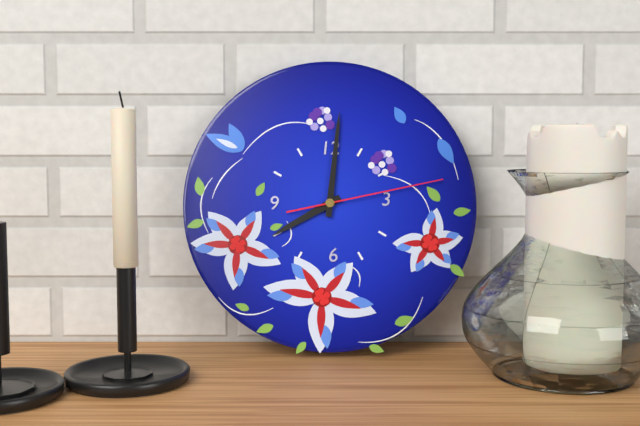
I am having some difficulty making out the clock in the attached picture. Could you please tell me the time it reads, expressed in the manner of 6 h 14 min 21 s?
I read 8 h 01 min 13 s
